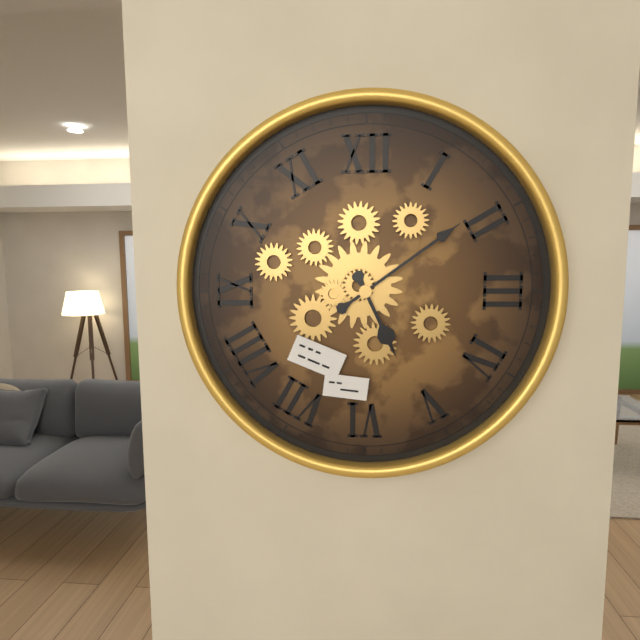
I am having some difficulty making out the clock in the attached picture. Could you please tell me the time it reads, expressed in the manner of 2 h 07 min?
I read 5 h 09 min
